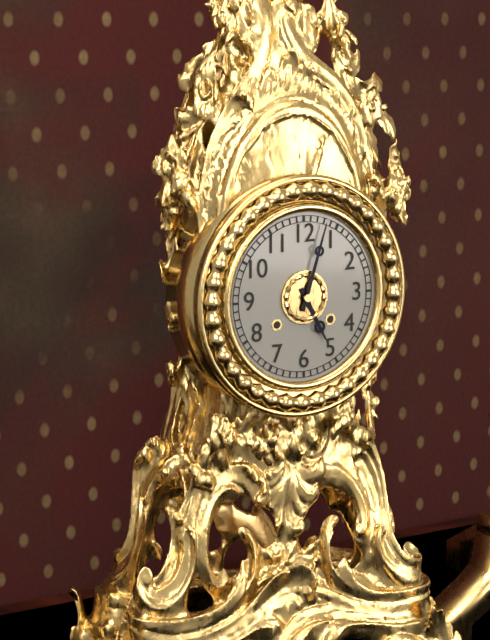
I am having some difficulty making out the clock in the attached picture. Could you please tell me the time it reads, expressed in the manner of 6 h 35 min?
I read 5 h 03 min
